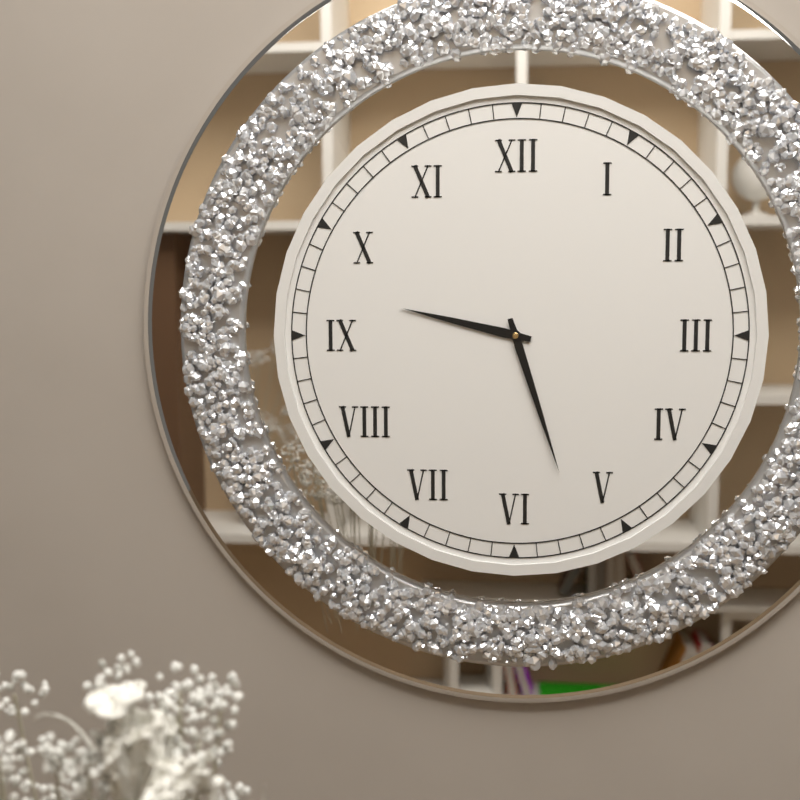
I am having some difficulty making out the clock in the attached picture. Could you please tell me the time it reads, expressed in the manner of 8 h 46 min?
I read 9 h 27 min
